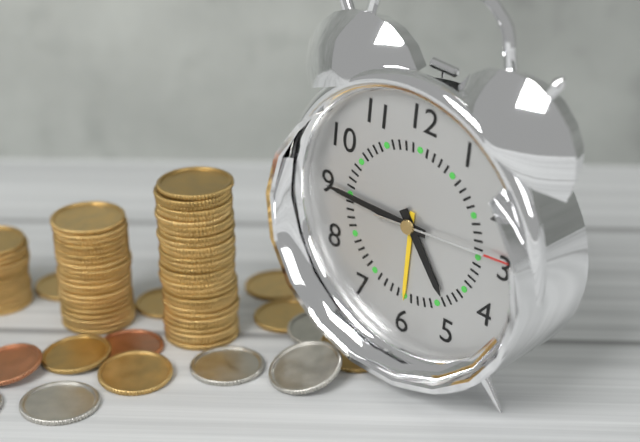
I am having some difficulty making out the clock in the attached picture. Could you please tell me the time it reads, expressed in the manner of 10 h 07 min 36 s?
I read 4 h 45 min 14 s
